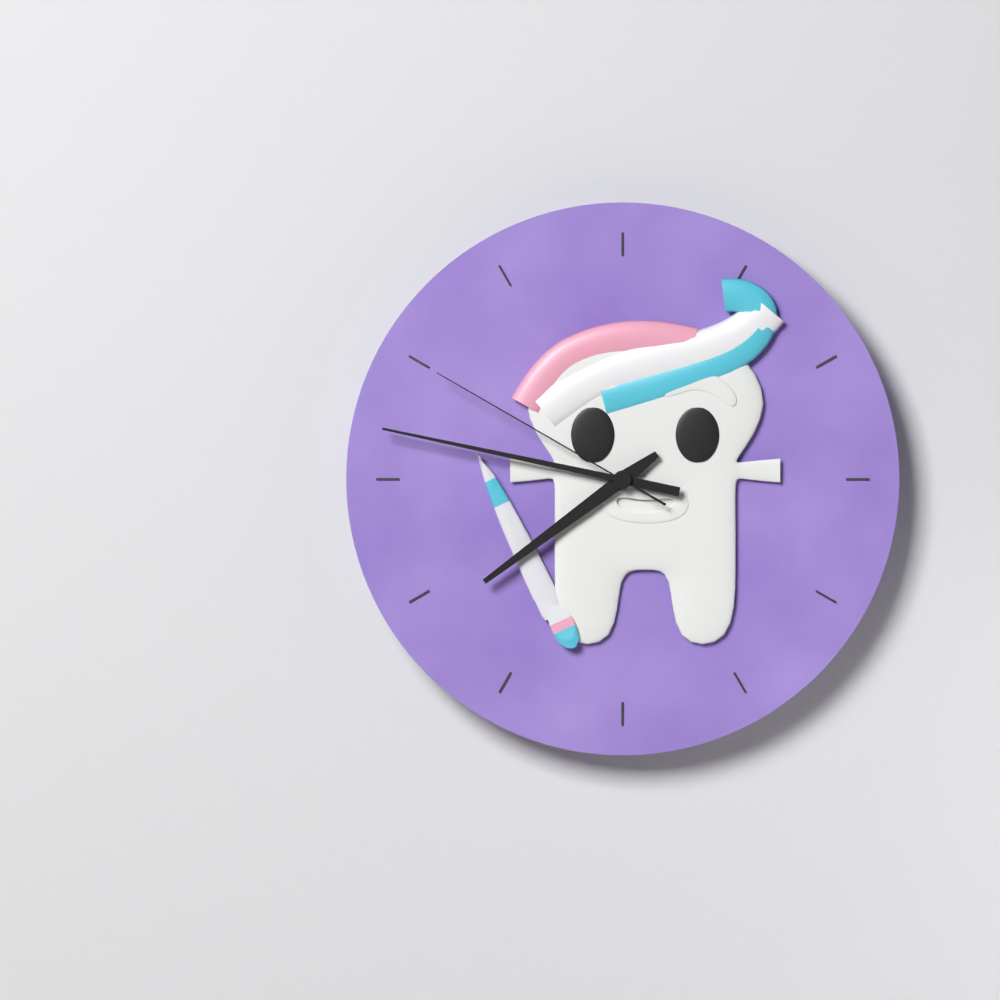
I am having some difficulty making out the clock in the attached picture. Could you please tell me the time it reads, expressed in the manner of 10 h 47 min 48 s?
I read 7 h 47 min 50 s
